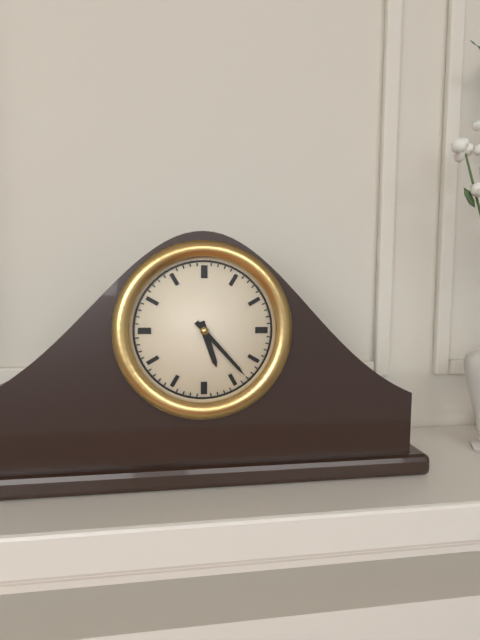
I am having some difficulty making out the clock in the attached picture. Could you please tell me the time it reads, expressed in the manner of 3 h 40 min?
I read 5 h 23 min
